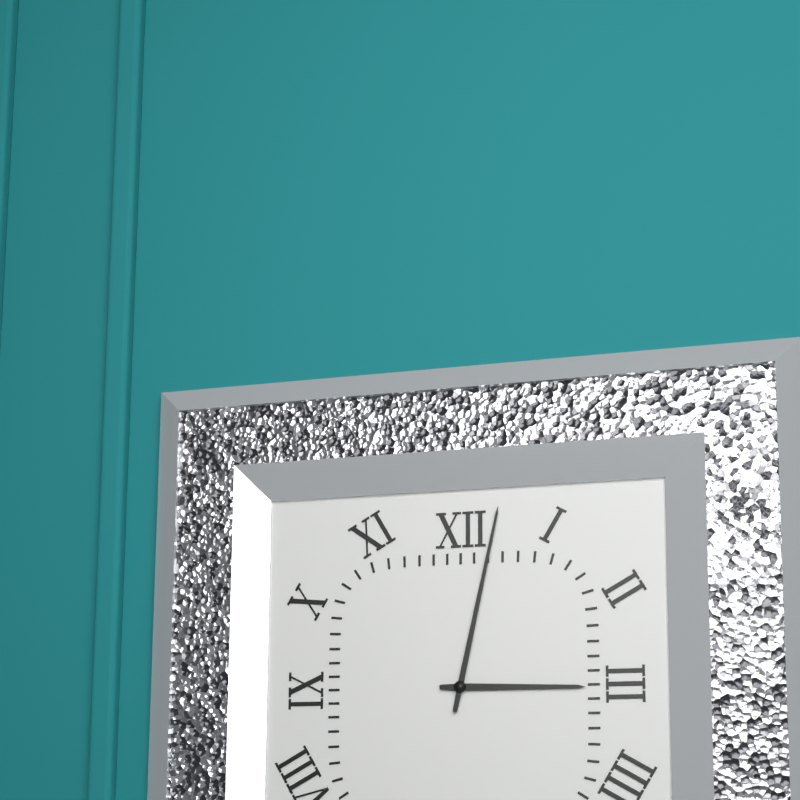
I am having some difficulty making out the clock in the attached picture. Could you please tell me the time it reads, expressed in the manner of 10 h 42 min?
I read 3 h 02 min
